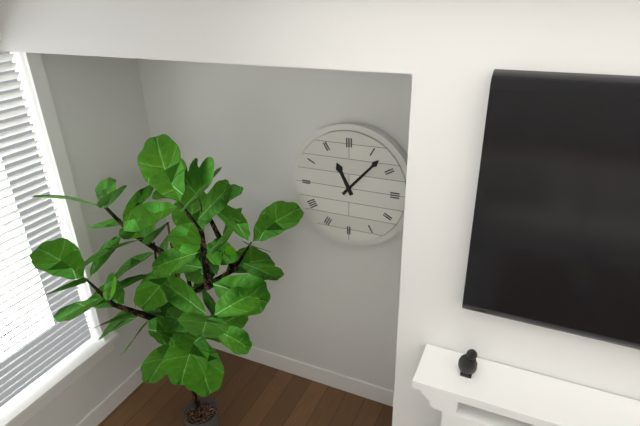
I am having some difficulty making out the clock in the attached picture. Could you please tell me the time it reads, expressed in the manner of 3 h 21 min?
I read 11 h 07 min
